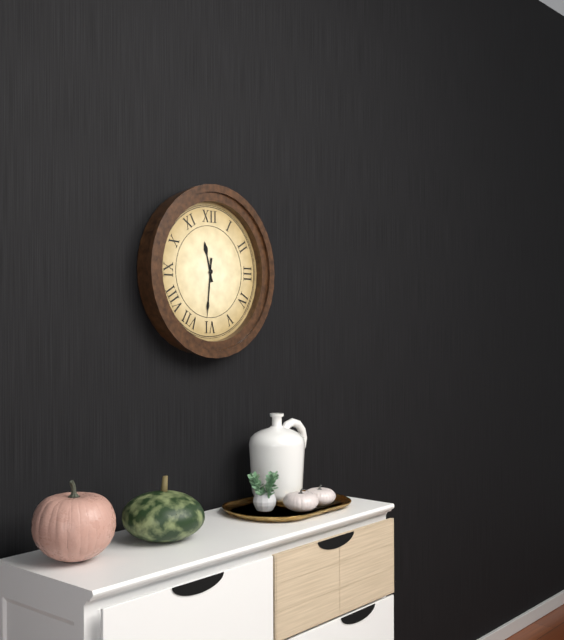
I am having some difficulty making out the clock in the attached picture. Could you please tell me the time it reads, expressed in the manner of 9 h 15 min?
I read 11 h 31 min
